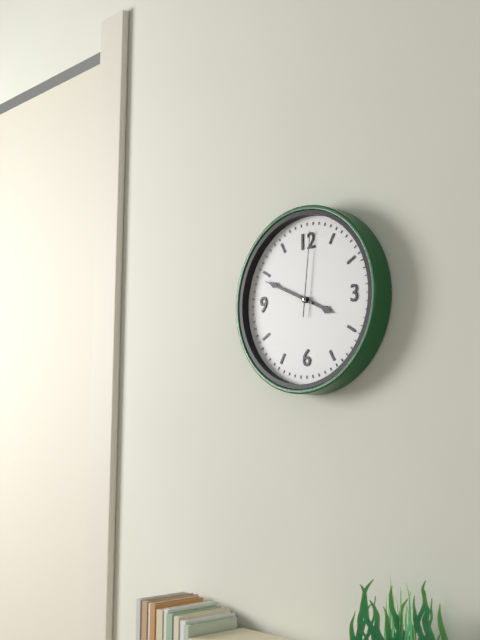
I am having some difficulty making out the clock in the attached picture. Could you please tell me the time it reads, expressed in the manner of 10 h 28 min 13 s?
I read 3 h 49 min 01 s
